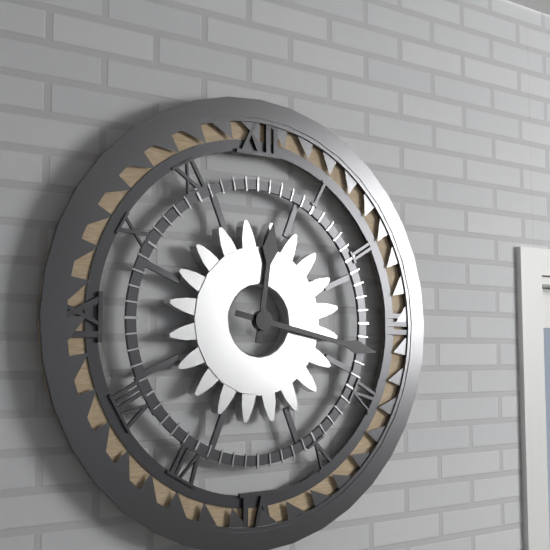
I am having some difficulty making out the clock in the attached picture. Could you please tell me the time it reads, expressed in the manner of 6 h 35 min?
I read 12 h 17 min
